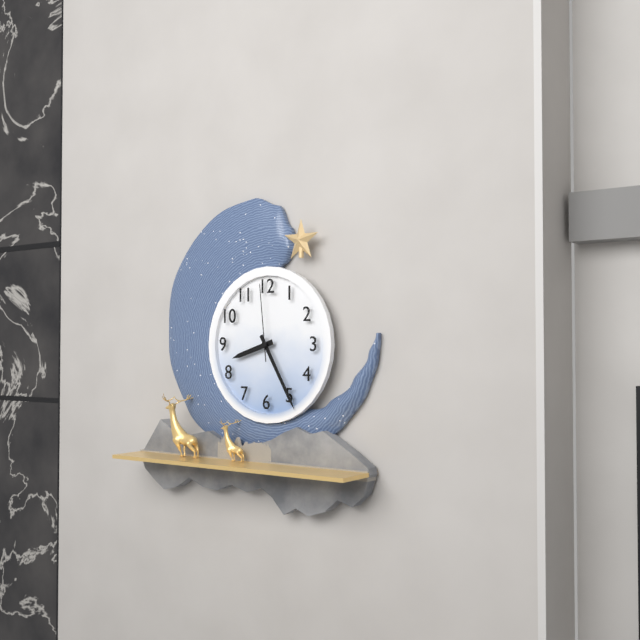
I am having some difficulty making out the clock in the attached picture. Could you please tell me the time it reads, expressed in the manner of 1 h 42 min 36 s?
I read 8 h 25 min 59 s
